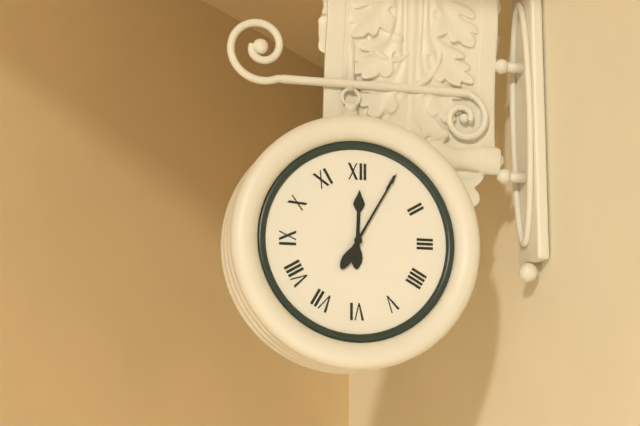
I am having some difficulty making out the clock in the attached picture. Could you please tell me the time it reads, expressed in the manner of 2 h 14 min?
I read 12 h 05 min
